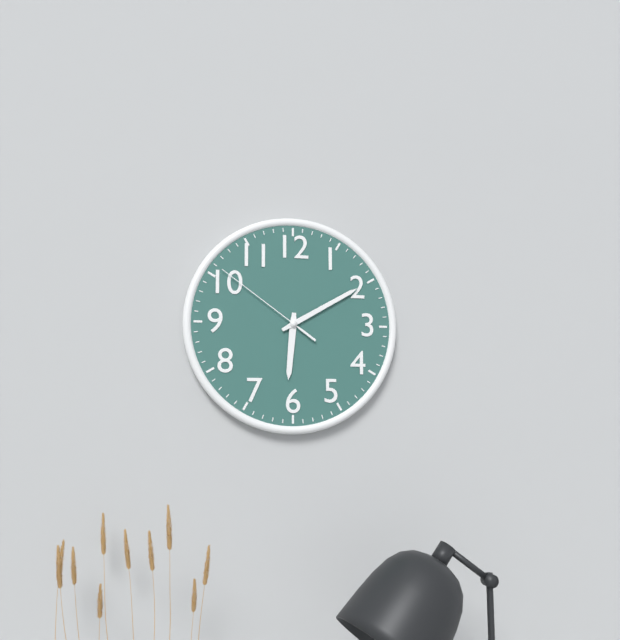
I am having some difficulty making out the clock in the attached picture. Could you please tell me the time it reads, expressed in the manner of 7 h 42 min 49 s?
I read 6 h 10 min 51 s
